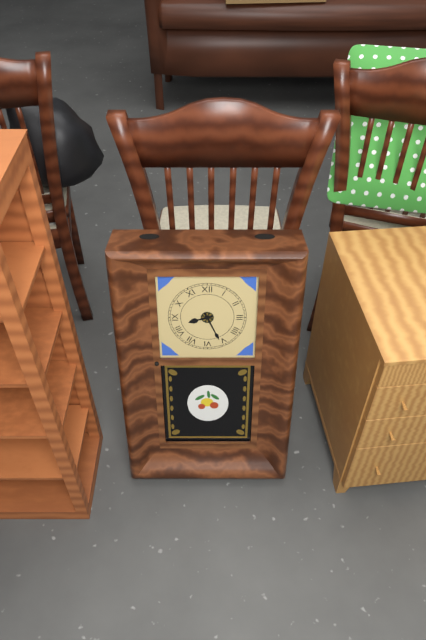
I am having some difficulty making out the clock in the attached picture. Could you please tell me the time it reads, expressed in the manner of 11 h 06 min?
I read 8 h 26 min
